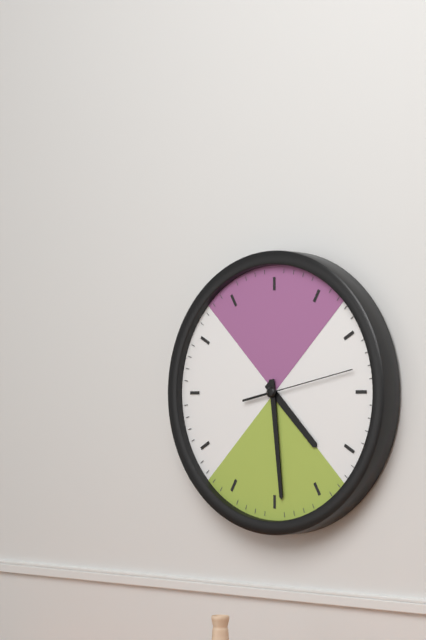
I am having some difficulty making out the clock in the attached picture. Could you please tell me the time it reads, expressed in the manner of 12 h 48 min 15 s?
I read 4 h 29 min 13 s
